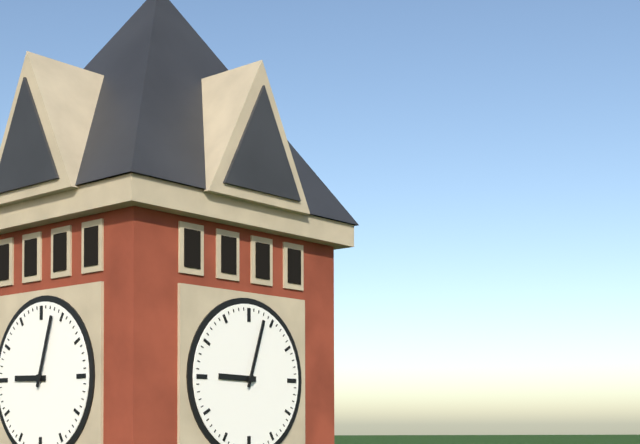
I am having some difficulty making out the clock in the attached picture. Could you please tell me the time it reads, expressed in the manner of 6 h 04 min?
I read 9 h 03 min
